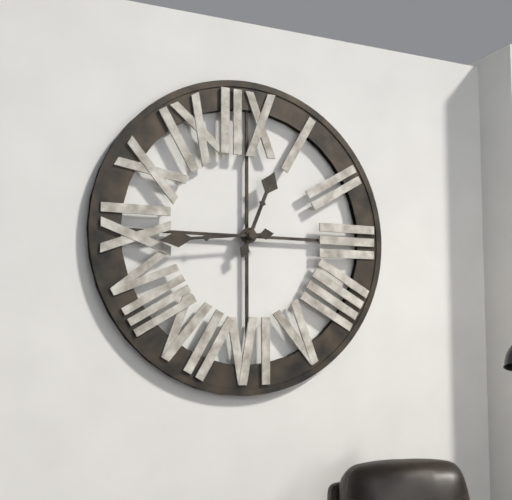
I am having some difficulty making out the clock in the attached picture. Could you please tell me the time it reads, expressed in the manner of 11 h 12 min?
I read 12 h 44 min
